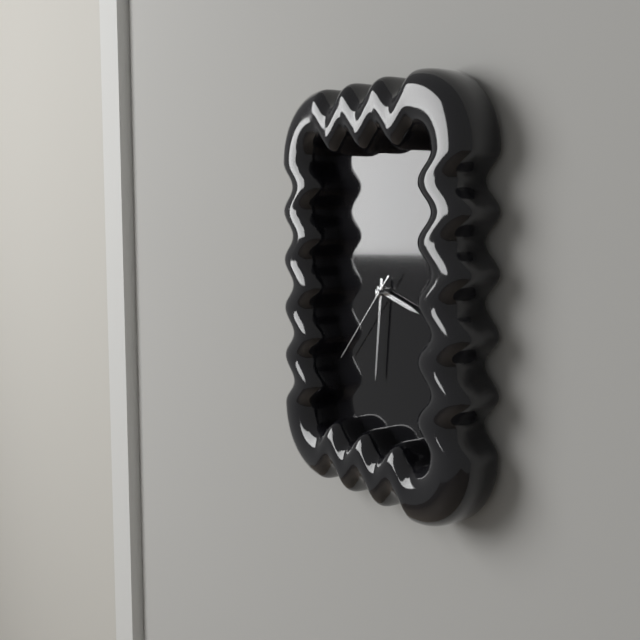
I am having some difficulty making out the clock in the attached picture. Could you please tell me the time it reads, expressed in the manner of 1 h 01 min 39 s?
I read 3 h 31 min 37 s
